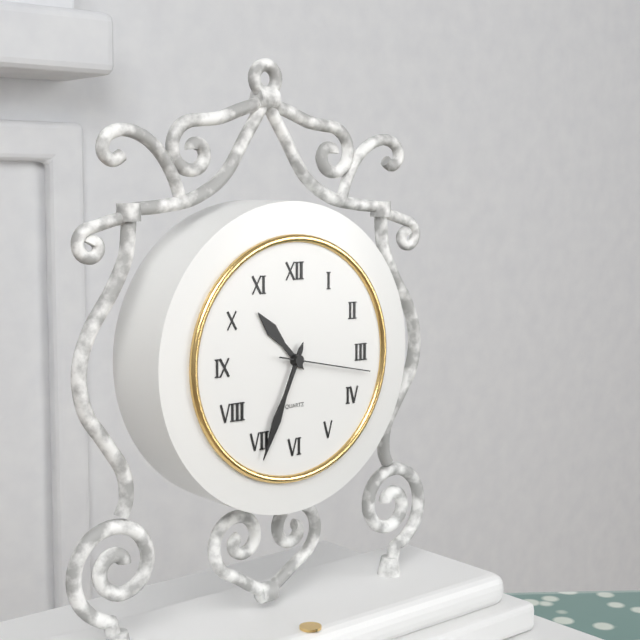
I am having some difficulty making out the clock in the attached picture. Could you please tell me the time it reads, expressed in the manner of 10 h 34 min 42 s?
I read 10 h 34 min 17 s
